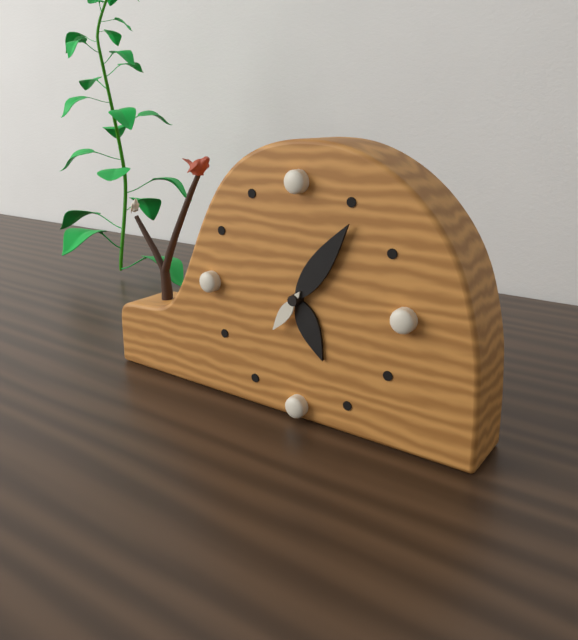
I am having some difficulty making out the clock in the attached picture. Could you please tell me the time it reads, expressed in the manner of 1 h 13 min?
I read 5 h 06 min
